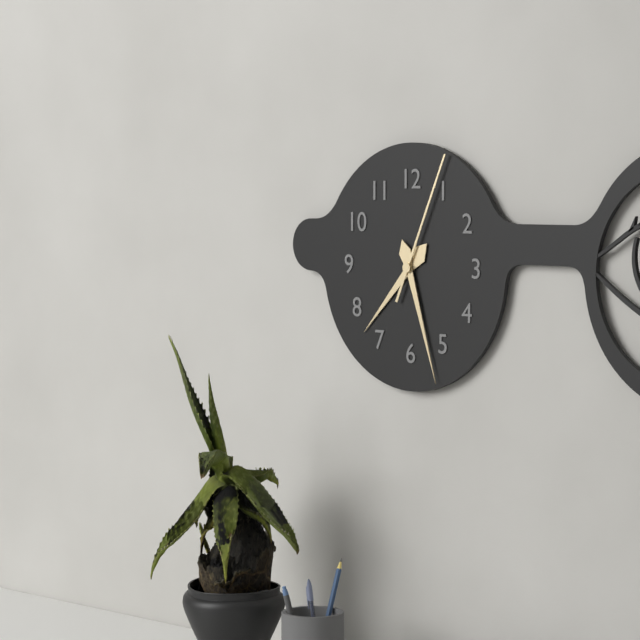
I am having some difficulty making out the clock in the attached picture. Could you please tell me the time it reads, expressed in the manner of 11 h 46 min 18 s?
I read 7 h 27 min 04 s
